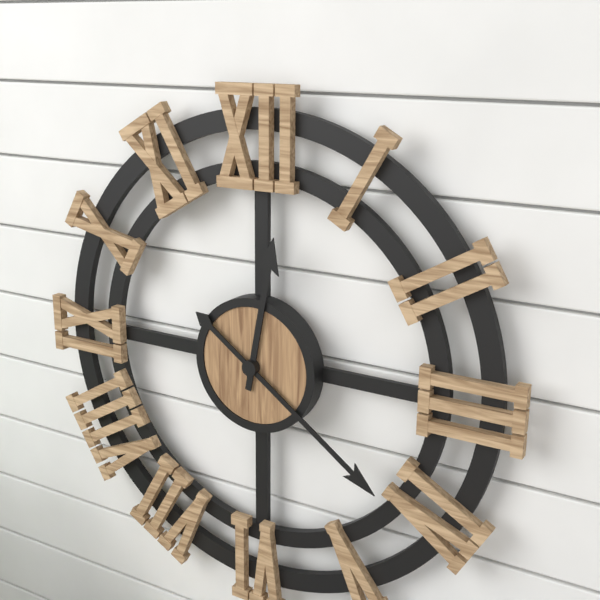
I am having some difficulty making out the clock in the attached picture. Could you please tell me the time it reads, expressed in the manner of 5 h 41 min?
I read 12 h 21 min
